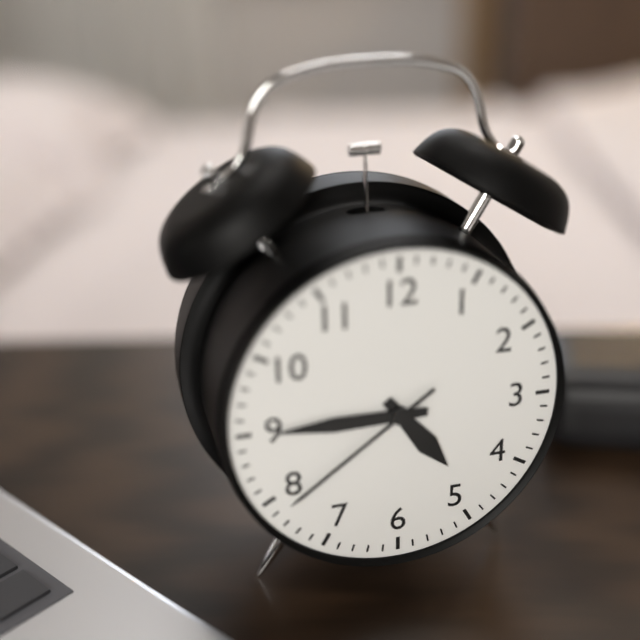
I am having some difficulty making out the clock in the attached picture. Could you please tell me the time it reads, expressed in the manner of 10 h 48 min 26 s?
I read 4 h 45 min 39 s
